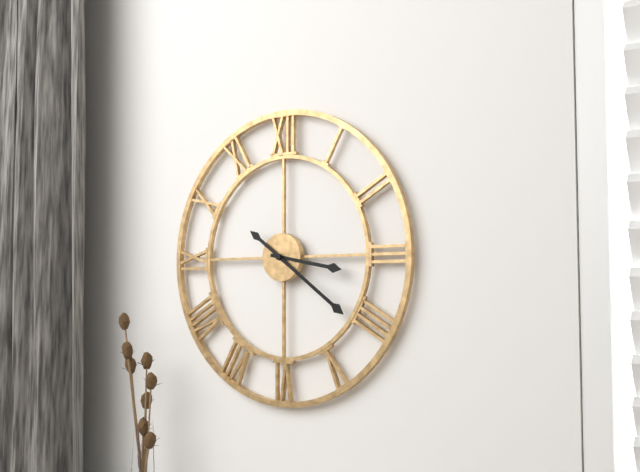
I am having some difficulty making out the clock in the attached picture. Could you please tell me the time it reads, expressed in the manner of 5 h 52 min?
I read 3 h 21 min
